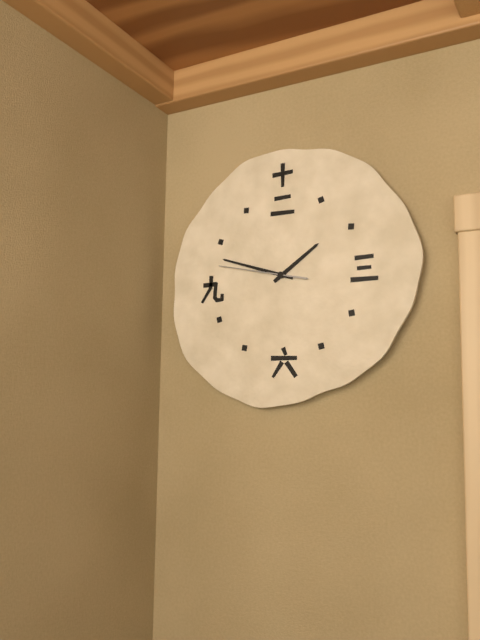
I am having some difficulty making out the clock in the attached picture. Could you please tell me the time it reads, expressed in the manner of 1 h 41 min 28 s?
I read 1 h 48 min 47 s
